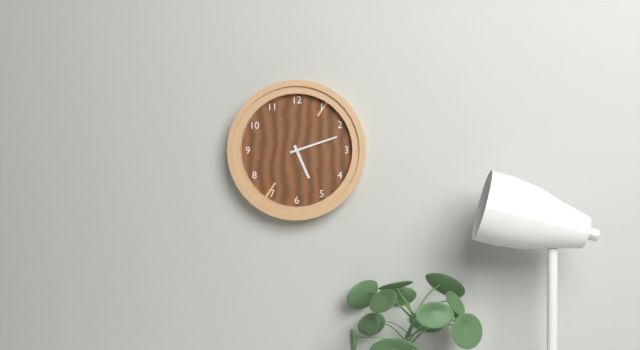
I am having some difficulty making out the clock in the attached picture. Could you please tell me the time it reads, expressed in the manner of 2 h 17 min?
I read 5 h 12 min
